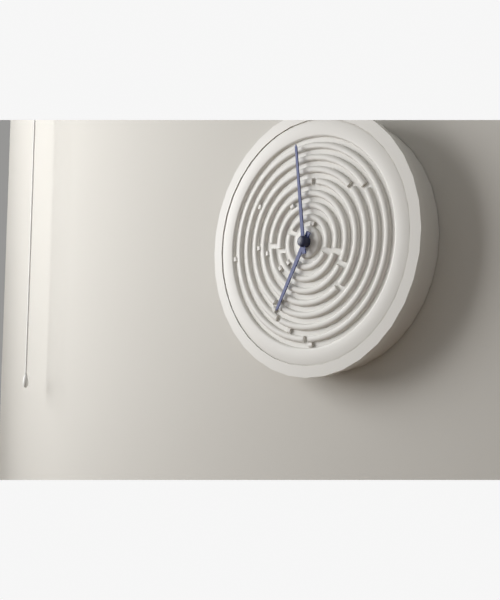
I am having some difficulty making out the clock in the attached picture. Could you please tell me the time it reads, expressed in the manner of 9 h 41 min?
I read 6 h 59 min
